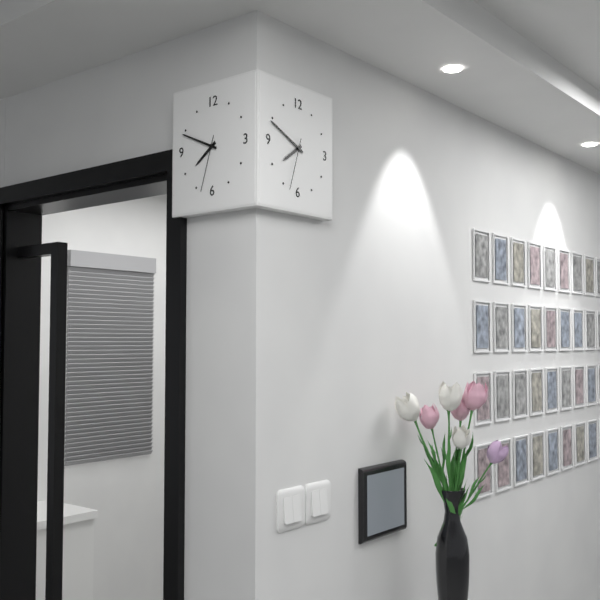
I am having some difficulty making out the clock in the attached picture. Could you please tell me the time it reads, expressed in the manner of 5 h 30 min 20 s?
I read 7 h 49 min 33 s
